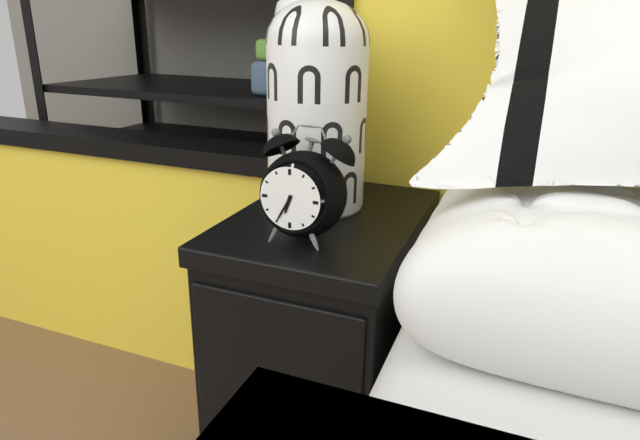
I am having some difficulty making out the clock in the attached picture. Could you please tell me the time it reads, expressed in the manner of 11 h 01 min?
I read 6 h 35 min
